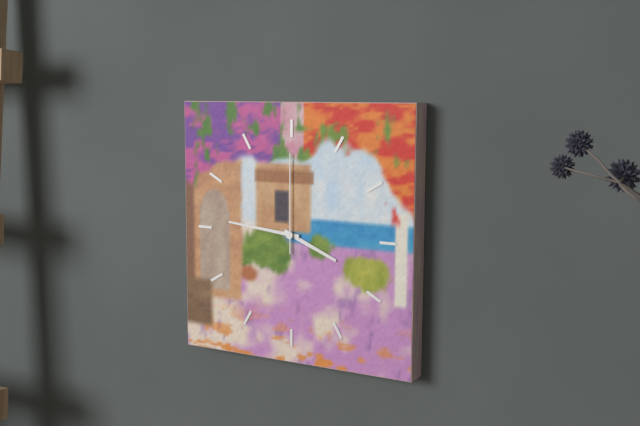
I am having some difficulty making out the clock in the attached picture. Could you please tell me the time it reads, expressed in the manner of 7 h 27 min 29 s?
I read 3 h 46 min 00 s
